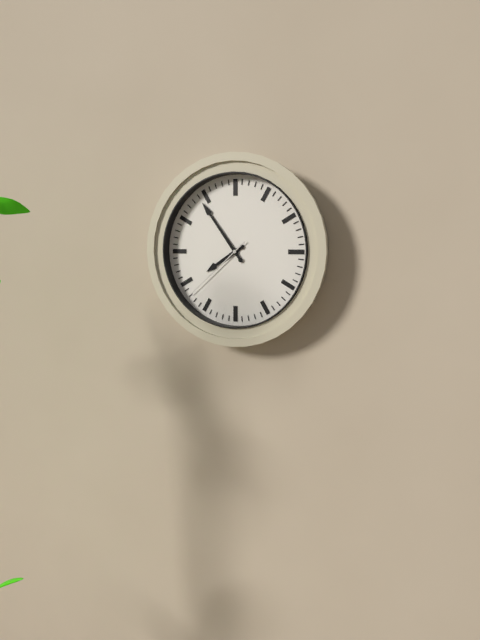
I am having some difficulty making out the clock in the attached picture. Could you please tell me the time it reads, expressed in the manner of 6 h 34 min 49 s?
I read 7 h 54 min 38 s
